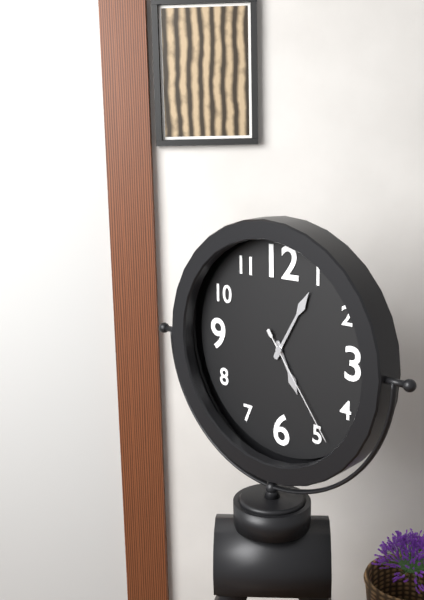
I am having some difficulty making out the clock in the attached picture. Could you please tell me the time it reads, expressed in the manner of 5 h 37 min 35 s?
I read 5 h 05 min 24 s
